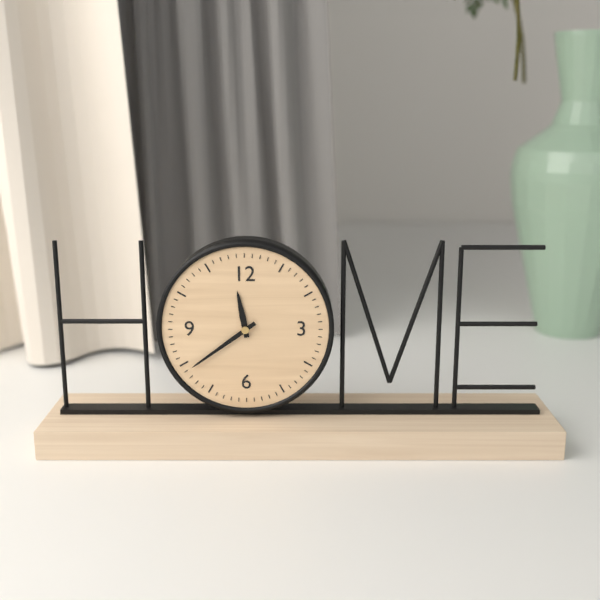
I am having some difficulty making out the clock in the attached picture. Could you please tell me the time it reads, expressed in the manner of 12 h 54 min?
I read 11 h 39 min
